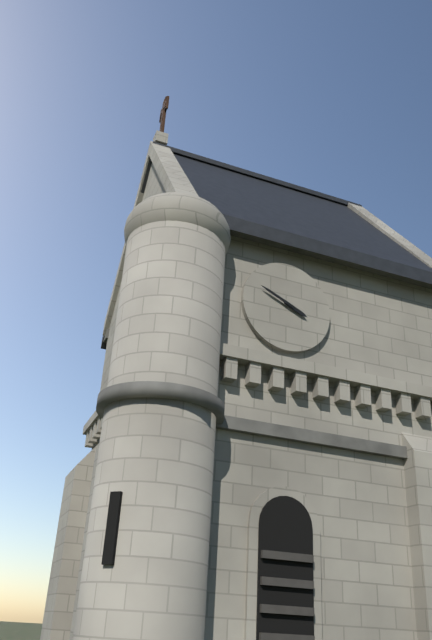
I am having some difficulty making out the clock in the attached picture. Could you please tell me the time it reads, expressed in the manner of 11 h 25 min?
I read 3 h 49 min
